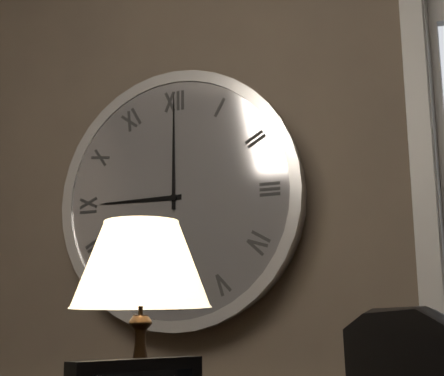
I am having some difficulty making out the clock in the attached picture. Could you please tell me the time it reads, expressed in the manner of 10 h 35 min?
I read 9 h 00 min
